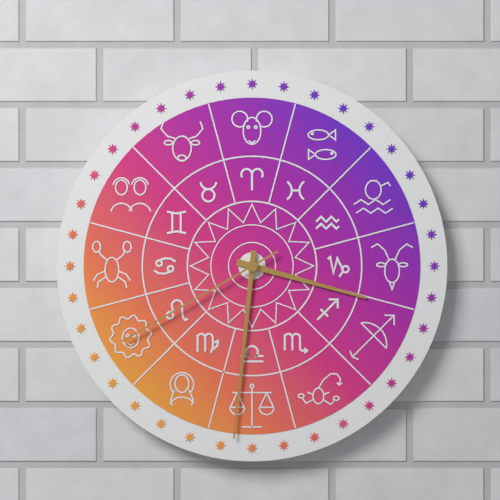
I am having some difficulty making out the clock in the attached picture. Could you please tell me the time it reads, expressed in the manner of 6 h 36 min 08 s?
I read 3 h 31 min 40 s
